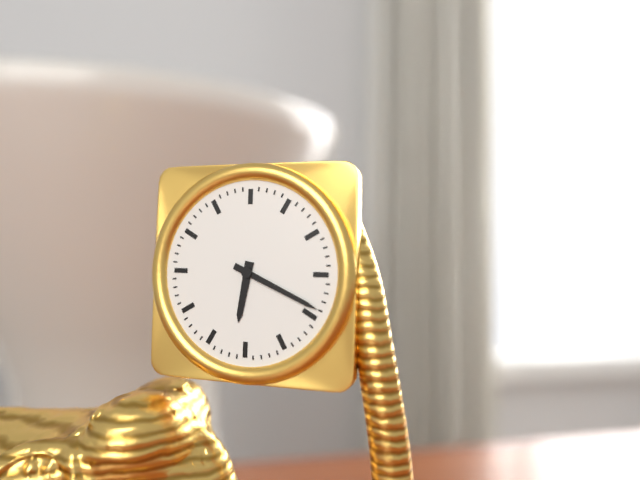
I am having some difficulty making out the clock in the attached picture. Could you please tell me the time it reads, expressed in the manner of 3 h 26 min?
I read 6 h 19 min
